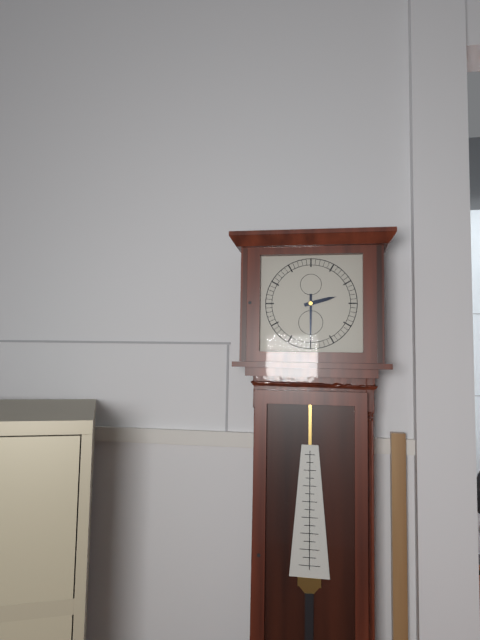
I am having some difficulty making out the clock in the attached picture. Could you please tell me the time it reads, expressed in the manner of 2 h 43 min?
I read 2 h 30 min
